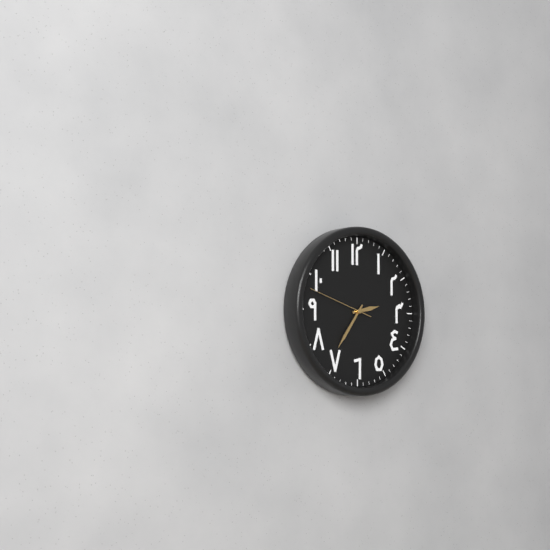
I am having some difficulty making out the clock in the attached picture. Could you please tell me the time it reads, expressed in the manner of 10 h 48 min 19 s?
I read 2 h 36 min 48 s
